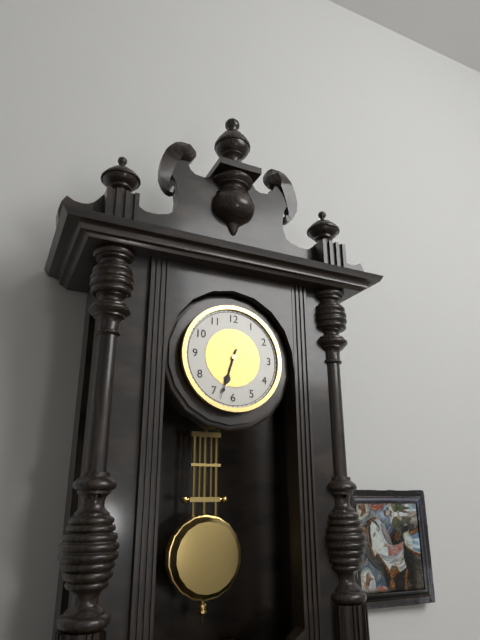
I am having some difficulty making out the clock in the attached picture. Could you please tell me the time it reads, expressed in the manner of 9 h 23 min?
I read 6 h 33 min
